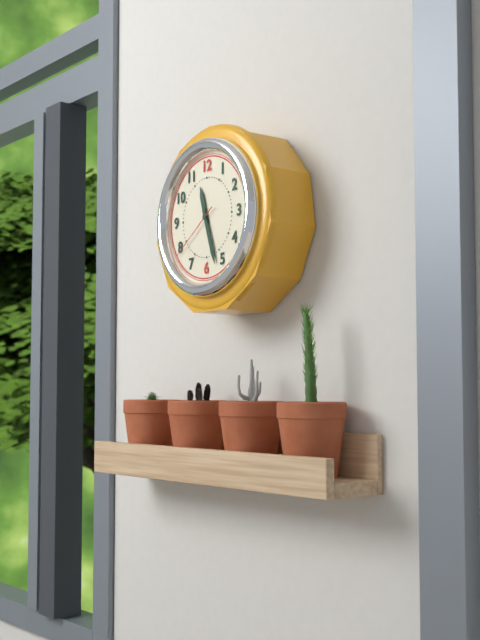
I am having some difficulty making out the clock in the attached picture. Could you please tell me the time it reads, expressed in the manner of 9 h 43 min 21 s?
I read 11 h 27 min 39 s
